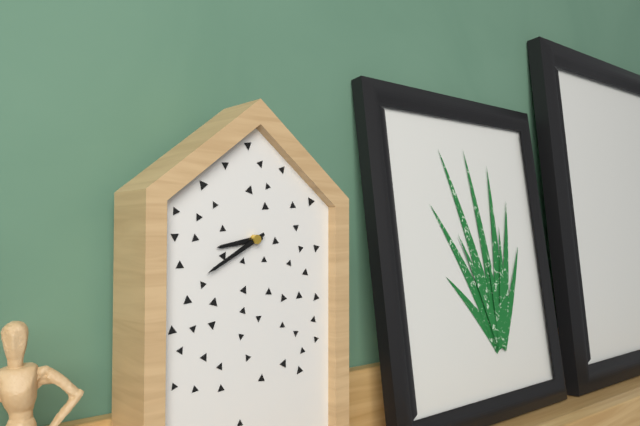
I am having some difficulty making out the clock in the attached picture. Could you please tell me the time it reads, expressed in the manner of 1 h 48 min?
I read 8 h 40 min
